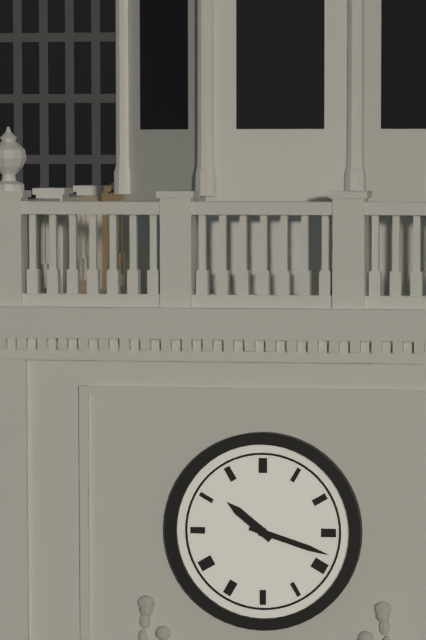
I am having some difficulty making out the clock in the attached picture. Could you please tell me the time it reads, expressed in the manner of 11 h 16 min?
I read 10 h 18 min
